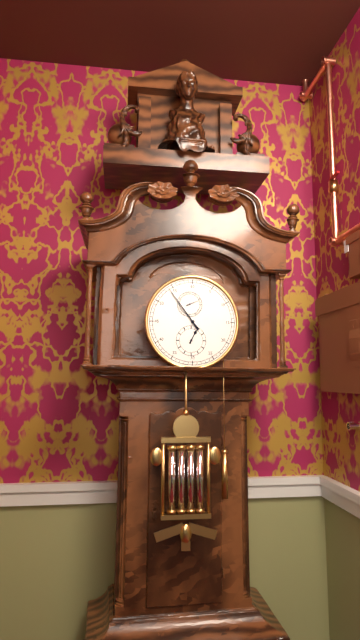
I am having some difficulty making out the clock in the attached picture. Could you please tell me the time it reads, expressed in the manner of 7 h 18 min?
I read 12 h 54 min
